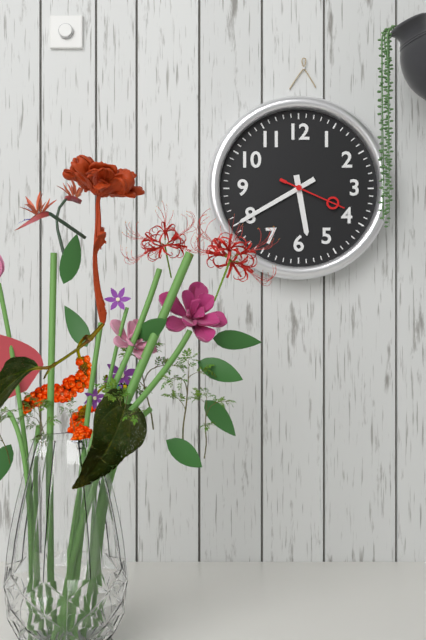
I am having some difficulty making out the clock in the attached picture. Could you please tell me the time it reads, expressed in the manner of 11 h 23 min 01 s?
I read 5 h 40 min 19 s
